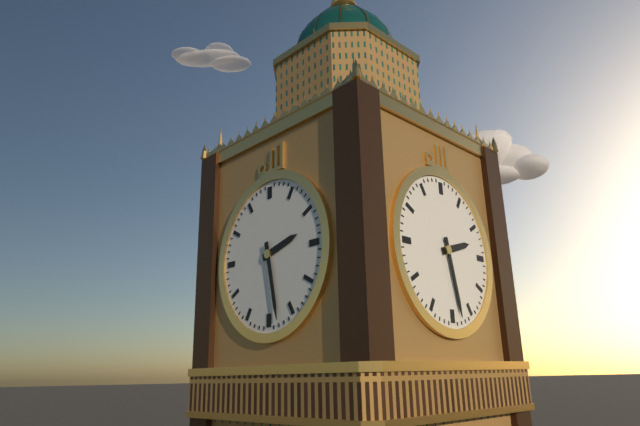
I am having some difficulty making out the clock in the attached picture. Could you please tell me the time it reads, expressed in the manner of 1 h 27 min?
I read 2 h 28 min
